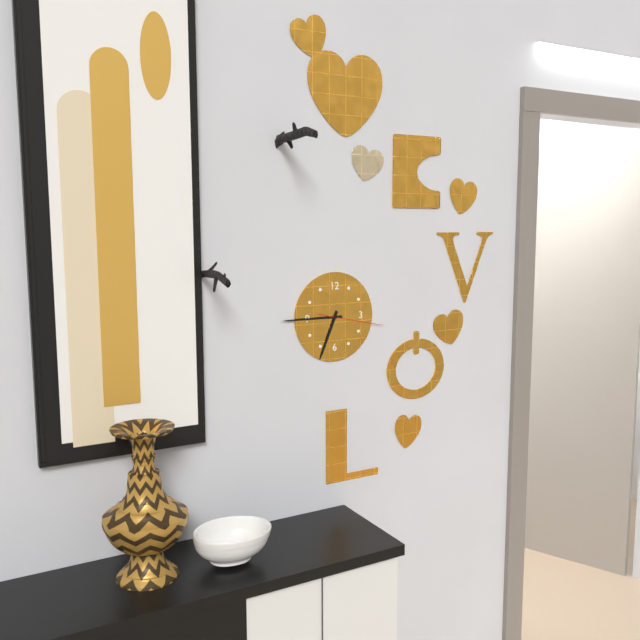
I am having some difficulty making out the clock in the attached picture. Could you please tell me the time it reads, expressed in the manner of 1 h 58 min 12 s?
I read 6 h 45 min 17 s
